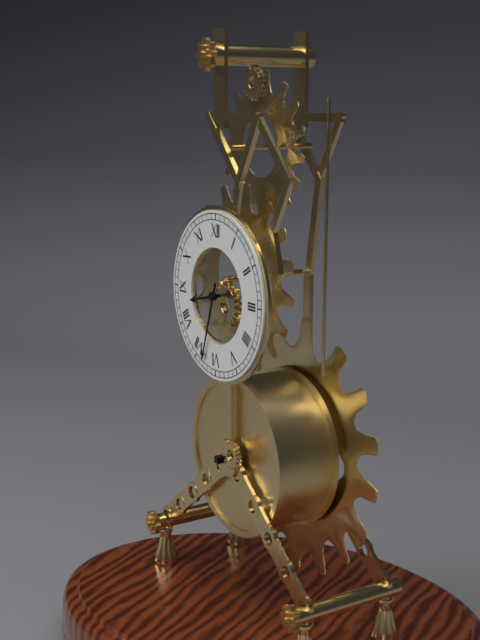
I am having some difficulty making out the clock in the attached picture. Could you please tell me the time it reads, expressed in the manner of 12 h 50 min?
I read 8 h 33 min
